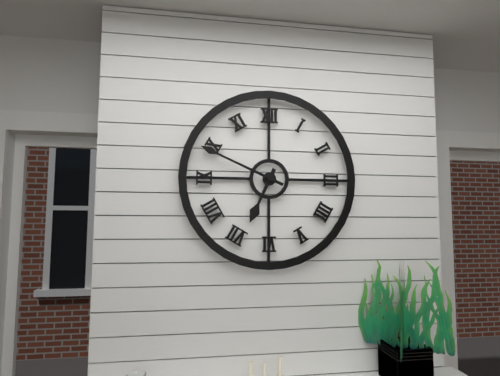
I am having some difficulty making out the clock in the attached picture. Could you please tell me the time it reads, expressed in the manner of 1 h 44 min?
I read 6 h 49 min
